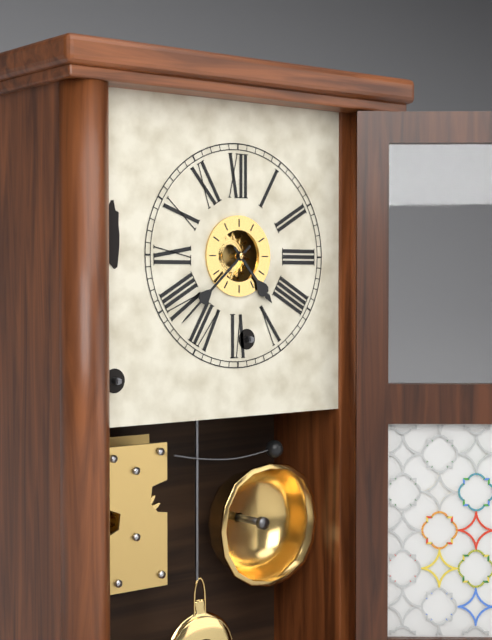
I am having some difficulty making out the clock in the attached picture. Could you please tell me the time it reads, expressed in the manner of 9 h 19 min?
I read 4 h 38 min
